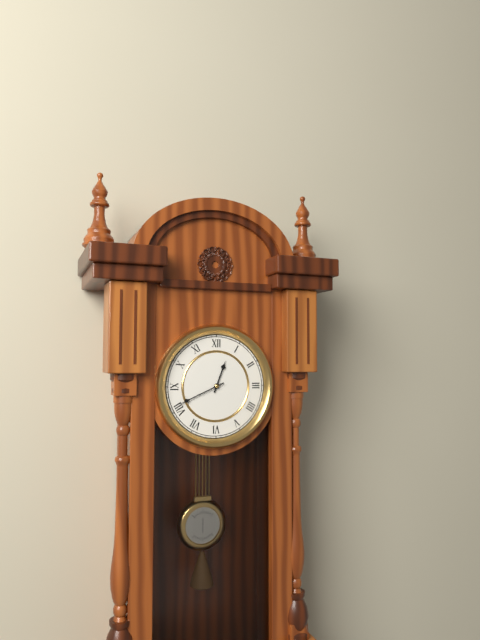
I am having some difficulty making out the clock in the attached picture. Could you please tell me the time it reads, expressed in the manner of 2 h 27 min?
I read 12 h 41 min
